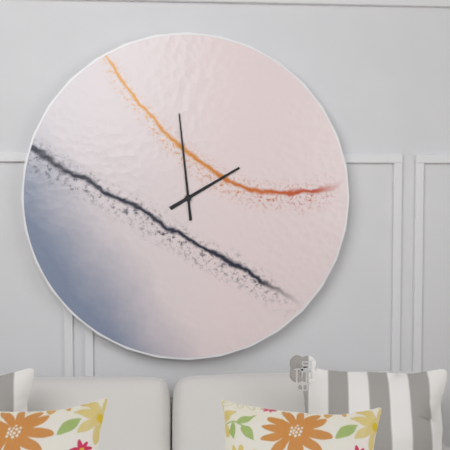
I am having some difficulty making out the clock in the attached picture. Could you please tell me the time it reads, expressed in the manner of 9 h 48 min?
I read 1 h 59 min
